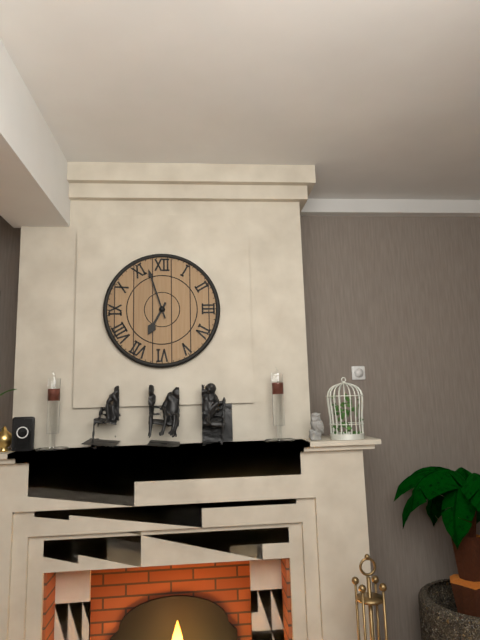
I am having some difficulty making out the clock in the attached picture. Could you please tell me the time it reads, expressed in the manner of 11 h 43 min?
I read 6 h 57 min
